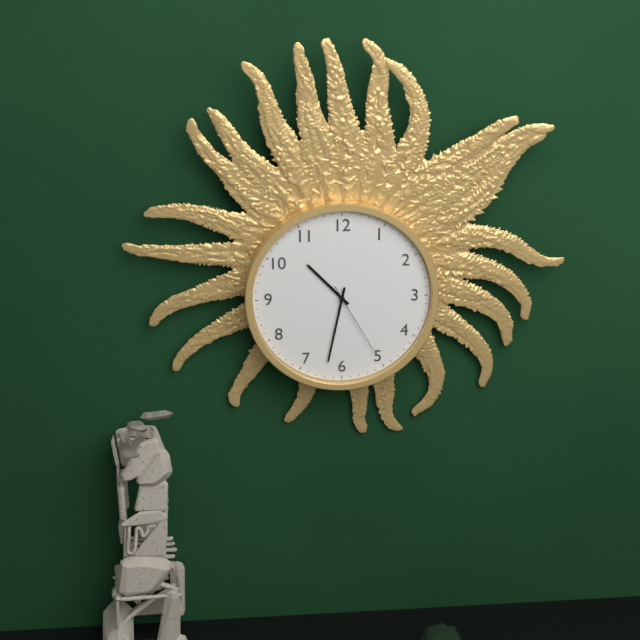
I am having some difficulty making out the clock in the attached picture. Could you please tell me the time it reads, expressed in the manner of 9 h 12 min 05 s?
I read 10 h 32 min 25 s
